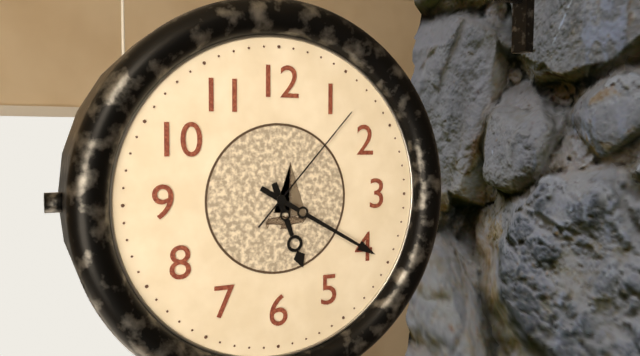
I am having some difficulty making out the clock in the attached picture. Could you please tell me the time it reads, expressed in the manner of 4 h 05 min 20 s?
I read 5 h 20 min 07 s
